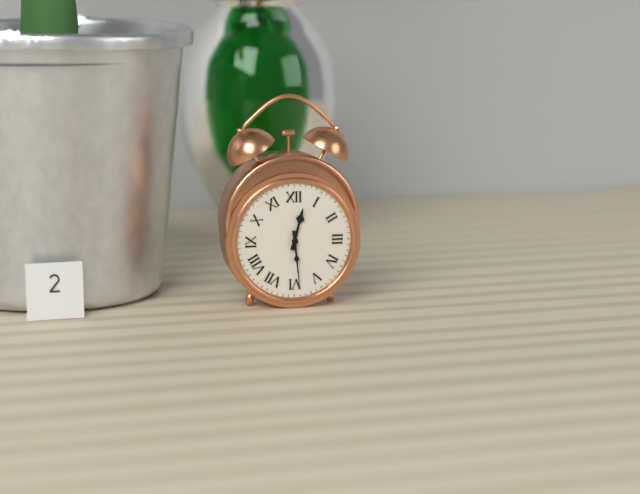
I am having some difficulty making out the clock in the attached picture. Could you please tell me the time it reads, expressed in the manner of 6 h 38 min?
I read 12 h 29 min
